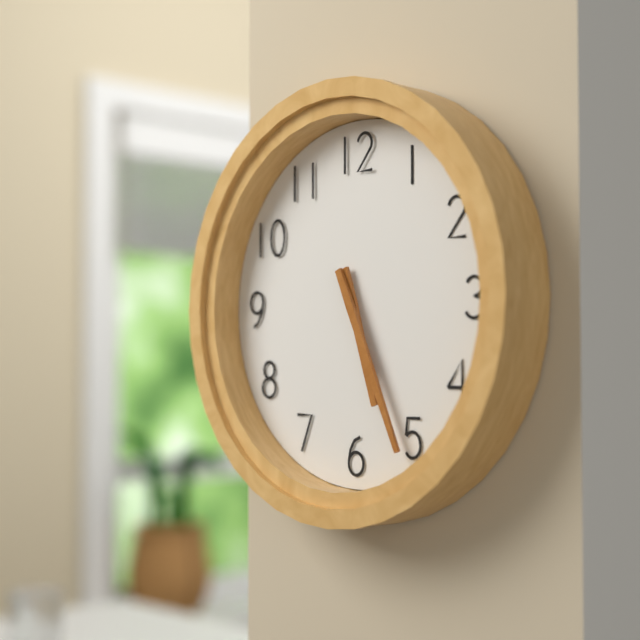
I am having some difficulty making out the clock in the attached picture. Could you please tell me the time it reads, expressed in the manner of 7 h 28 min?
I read 5 h 26 min
